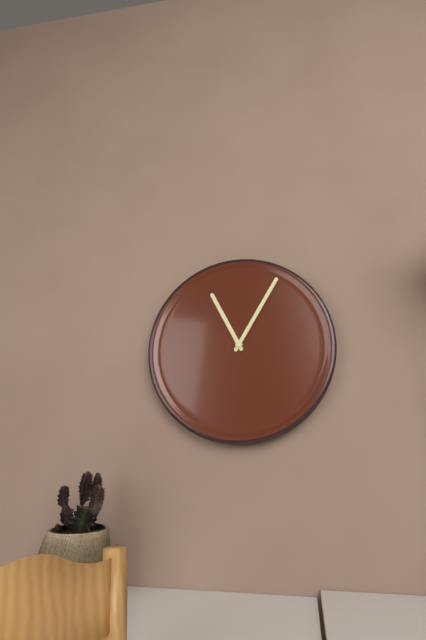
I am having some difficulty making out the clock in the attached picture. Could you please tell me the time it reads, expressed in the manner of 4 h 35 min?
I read 11 h 05 min
